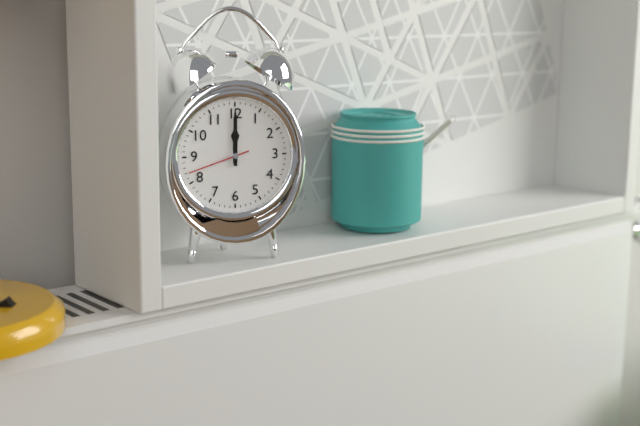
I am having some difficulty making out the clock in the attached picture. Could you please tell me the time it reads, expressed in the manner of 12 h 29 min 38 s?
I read 12 h 00 min 42 s
